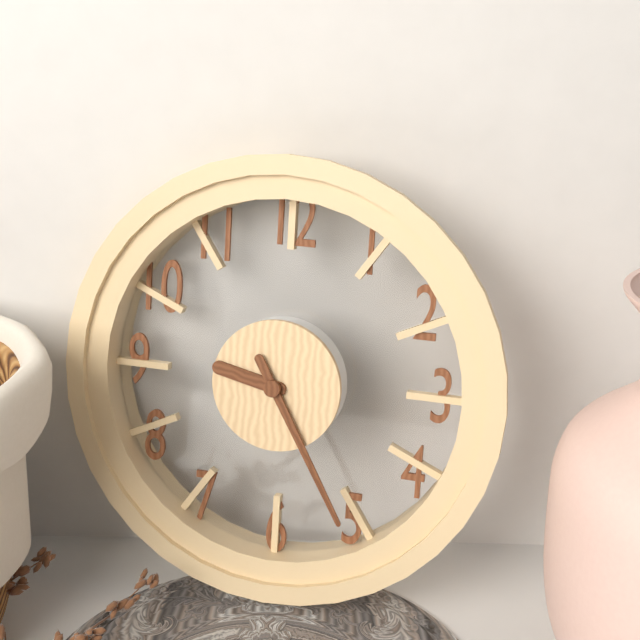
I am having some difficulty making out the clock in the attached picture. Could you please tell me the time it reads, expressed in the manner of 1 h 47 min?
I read 9 h 25 min
